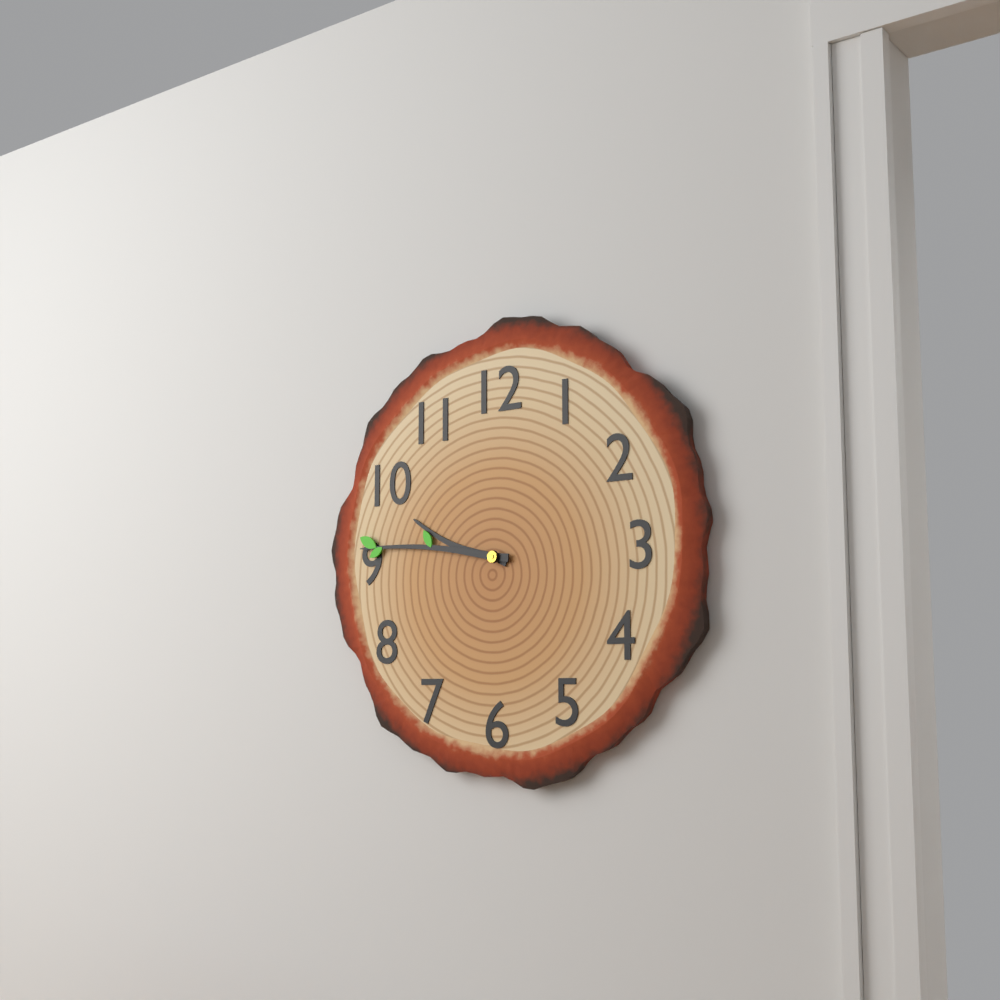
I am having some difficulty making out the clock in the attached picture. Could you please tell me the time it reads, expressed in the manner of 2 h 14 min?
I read 9 h 46 min
